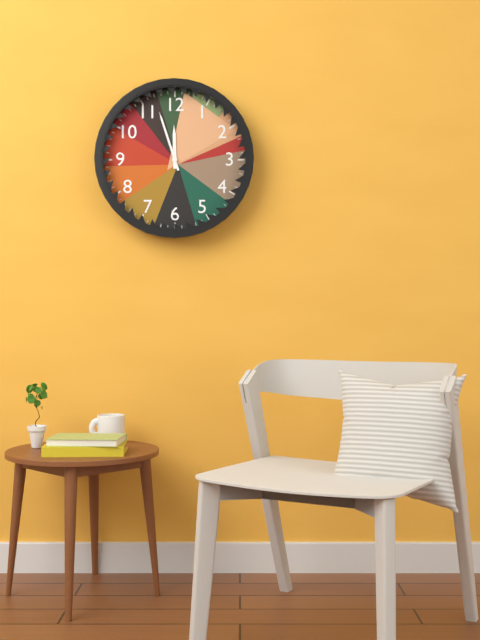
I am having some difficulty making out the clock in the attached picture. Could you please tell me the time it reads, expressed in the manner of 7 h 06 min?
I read 11 h 57 min
